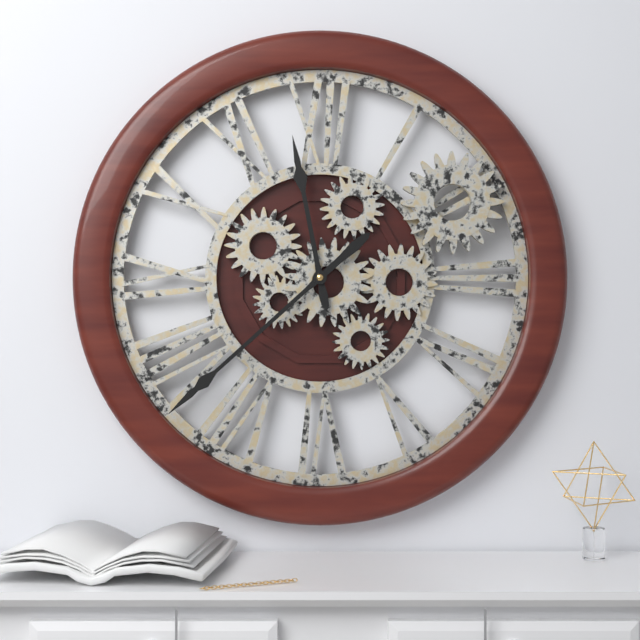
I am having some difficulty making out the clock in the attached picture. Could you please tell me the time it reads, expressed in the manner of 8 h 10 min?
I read 11 h 38 min
